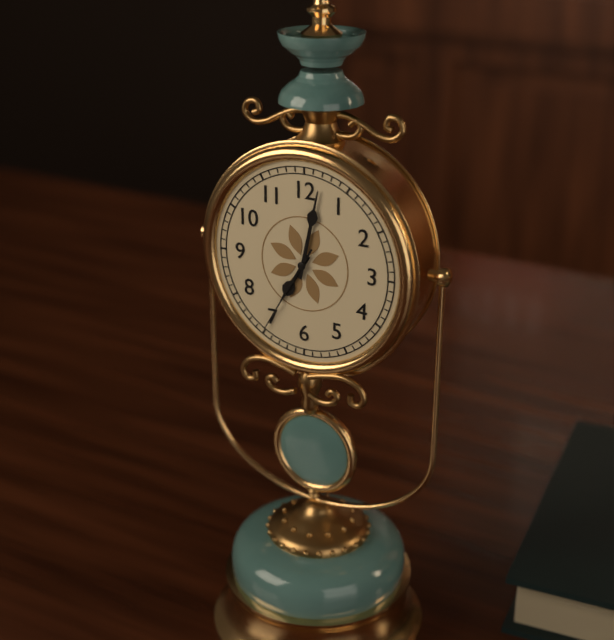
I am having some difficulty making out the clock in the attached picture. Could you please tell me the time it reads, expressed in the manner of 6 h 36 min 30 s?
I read 7 h 02 min 35 s
